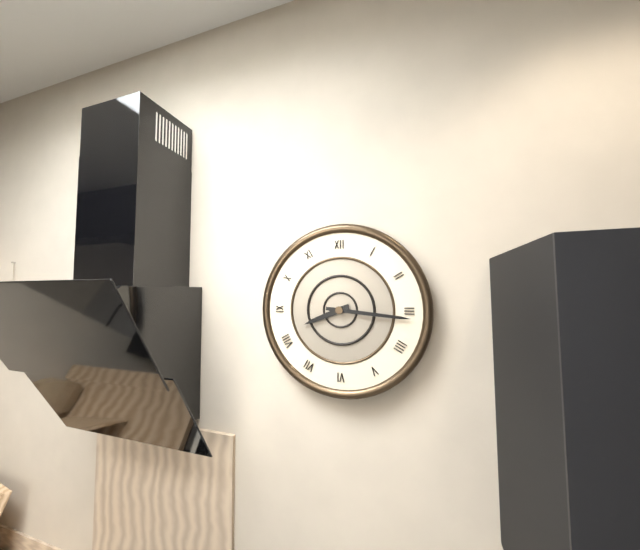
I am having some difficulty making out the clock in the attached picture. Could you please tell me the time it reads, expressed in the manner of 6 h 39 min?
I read 8 h 16 min
